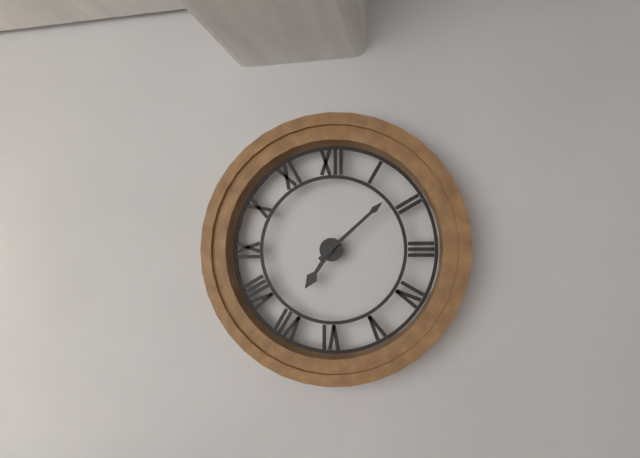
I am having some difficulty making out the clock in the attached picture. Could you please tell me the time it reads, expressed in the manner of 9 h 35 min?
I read 7 h 08 min
